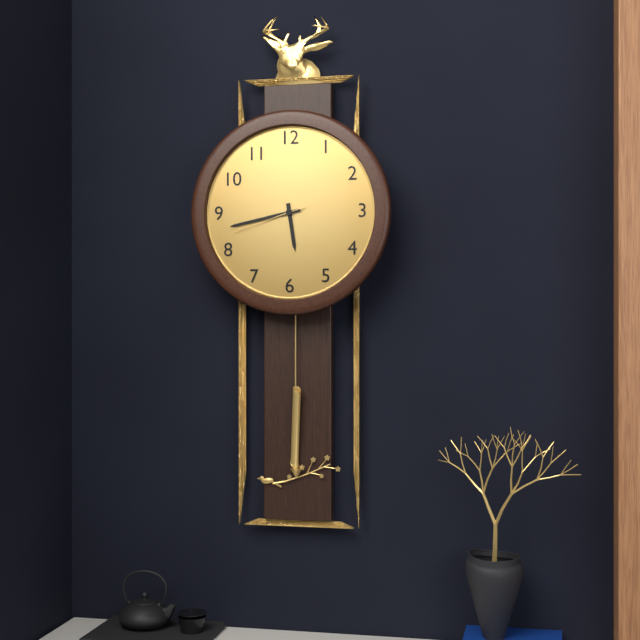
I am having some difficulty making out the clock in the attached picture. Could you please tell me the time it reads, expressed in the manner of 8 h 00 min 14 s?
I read 5 h 43 min 42 s
